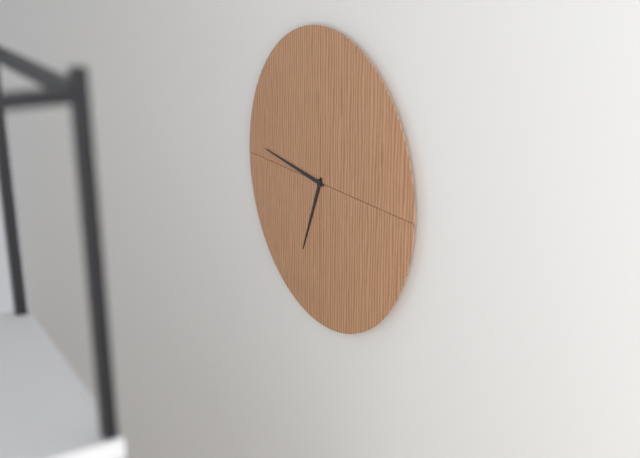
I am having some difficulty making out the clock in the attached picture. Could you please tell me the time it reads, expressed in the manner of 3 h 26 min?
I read 6 h 46 min
